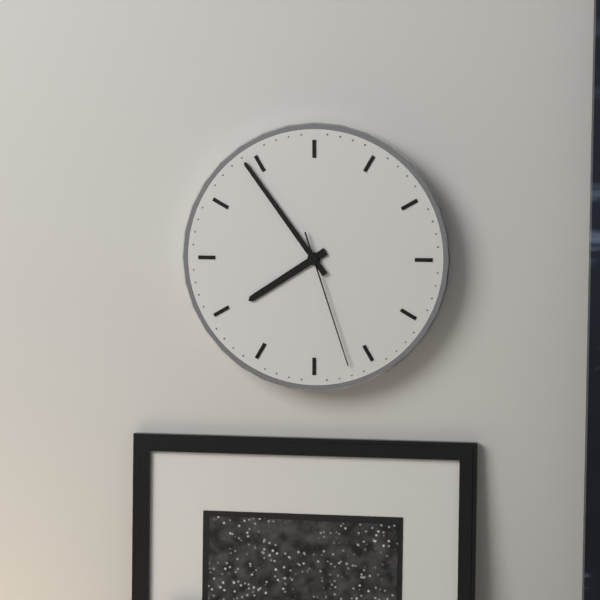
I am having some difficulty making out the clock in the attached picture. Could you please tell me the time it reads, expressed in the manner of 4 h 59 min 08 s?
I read 7 h 54 min 27 s
